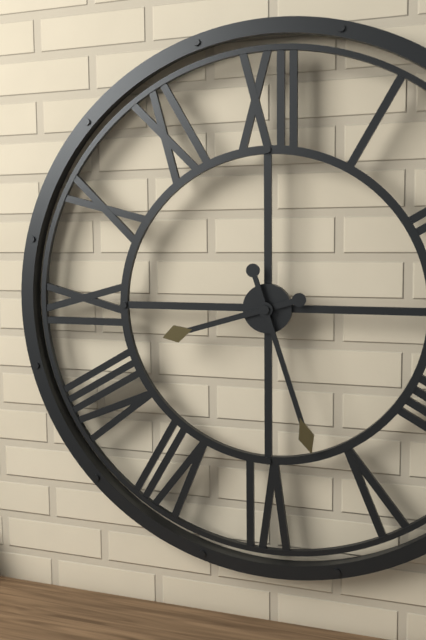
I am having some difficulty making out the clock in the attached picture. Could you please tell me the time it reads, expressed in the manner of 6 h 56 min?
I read 8 h 27 min
